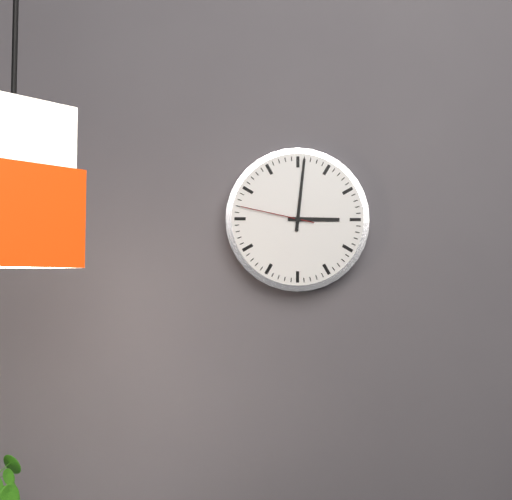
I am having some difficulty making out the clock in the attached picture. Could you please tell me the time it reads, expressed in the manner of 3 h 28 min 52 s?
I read 3 h 01 min 47 s
